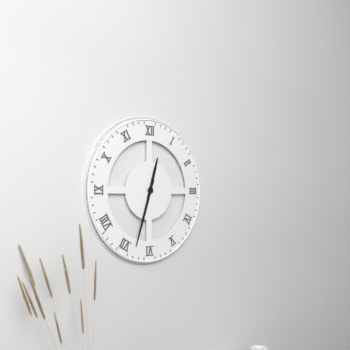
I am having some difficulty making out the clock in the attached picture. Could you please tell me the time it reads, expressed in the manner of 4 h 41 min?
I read 12 h 33 min
